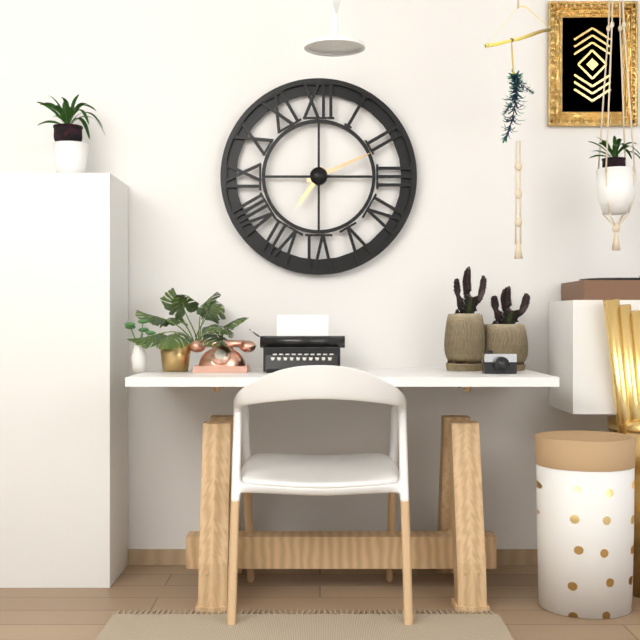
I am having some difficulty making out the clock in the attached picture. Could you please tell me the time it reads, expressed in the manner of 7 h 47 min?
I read 7 h 11 min
